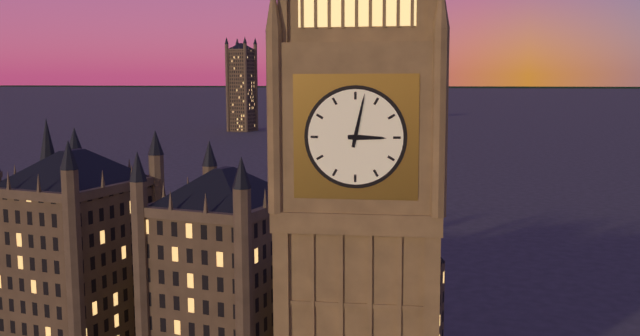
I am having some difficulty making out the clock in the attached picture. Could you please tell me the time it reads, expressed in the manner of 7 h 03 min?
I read 3 h 02 min
